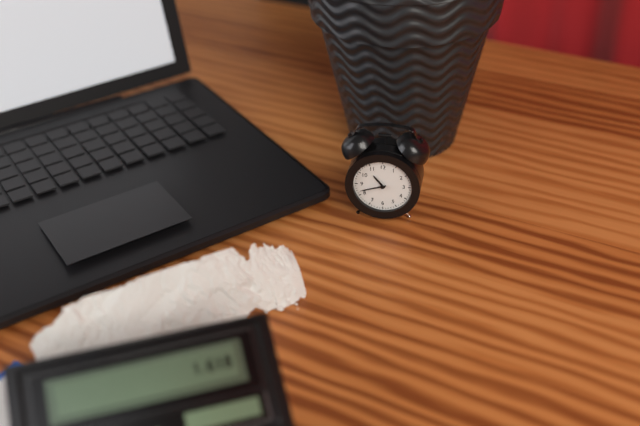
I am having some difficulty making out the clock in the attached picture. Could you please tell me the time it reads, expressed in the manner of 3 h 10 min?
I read 10 h 42 min
